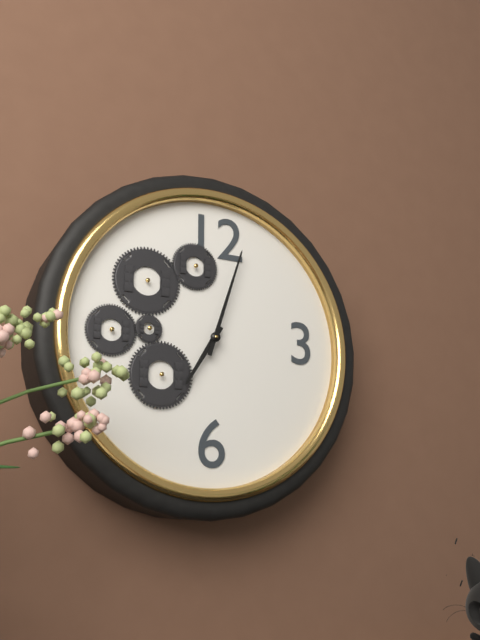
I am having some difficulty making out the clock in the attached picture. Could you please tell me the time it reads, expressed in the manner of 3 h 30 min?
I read 7 h 03 min
